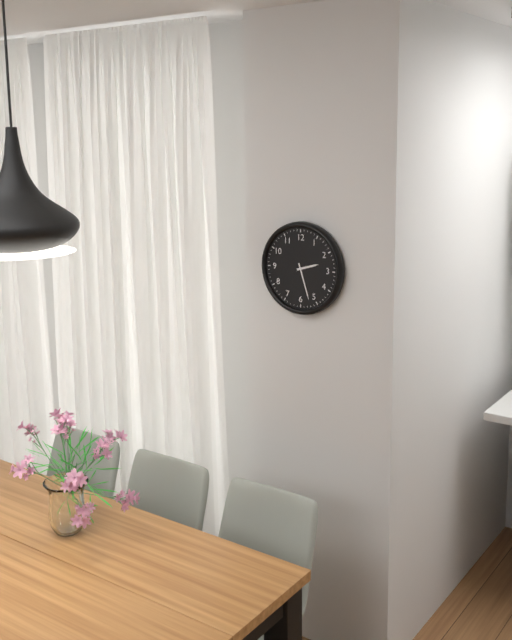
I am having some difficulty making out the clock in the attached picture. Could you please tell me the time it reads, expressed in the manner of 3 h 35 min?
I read 2 h 27 min
